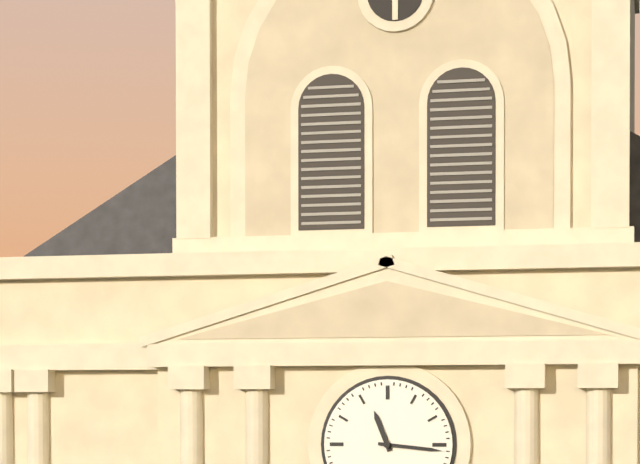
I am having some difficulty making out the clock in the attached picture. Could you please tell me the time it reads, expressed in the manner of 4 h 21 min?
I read 11 h 16 min
